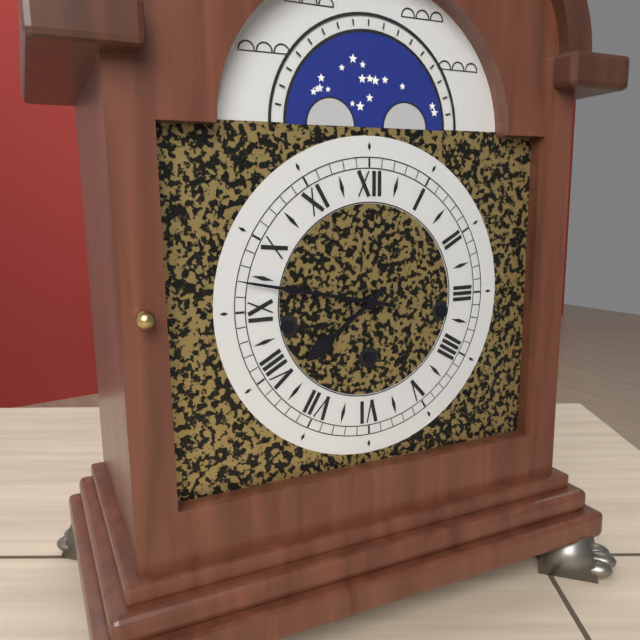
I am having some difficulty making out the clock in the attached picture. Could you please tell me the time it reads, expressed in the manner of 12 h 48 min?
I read 7 h 47 min
